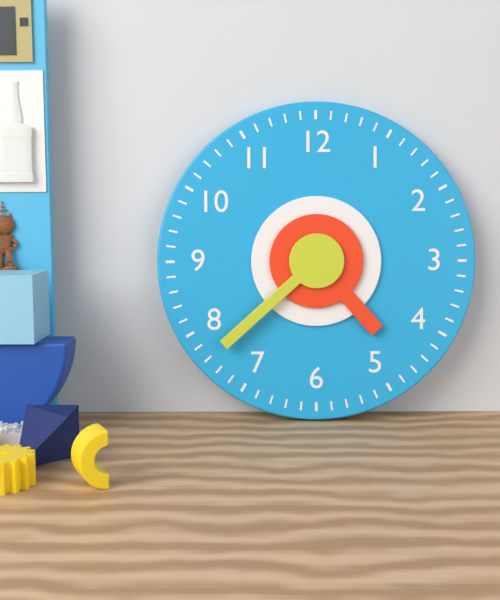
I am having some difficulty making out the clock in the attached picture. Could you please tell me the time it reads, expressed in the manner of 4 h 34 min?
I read 4 h 38 min
